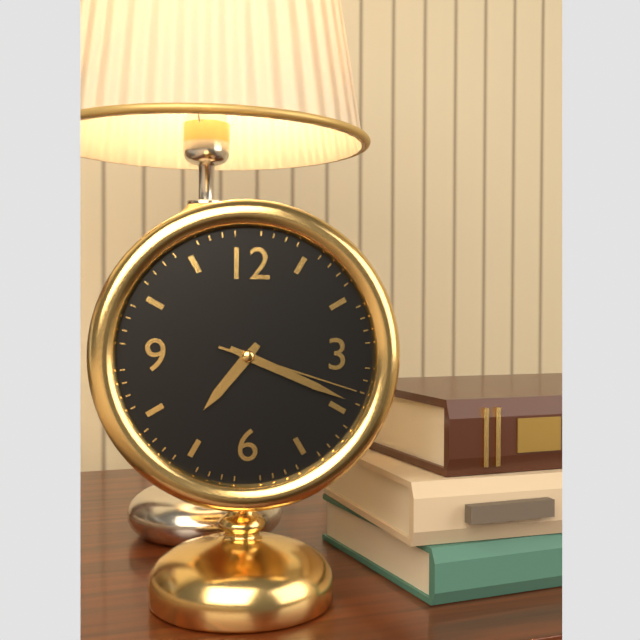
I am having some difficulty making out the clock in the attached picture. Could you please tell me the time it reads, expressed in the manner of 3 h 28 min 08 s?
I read 7 h 19 min 18 s
